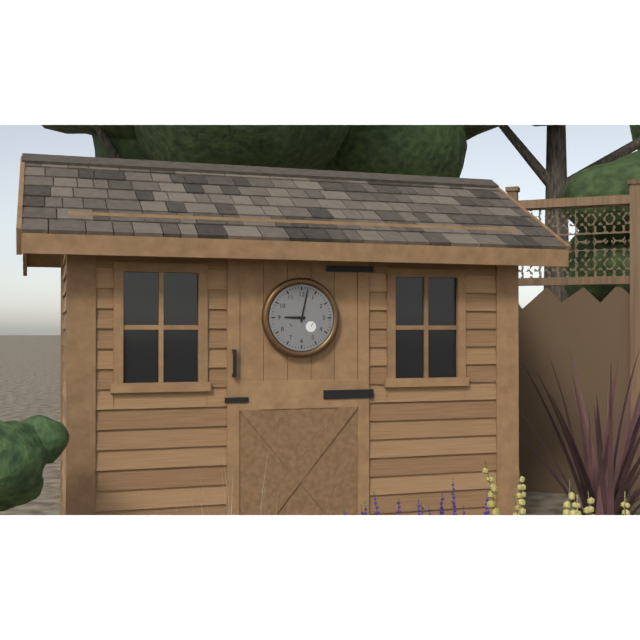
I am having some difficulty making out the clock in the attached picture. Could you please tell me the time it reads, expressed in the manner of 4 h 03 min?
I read 9 h 02 min
